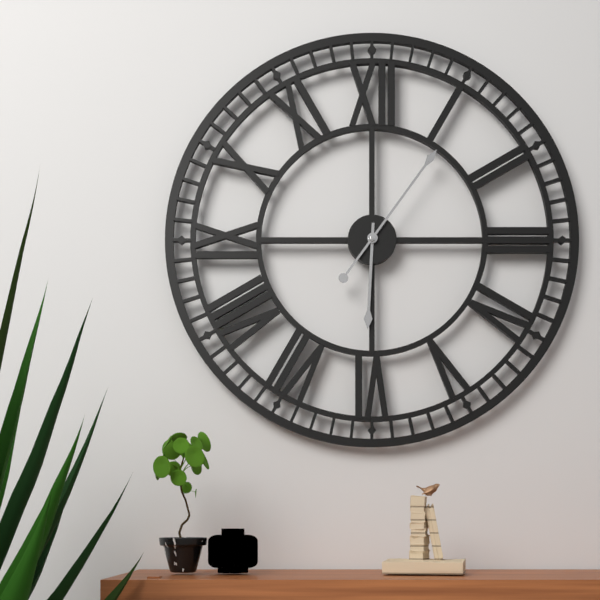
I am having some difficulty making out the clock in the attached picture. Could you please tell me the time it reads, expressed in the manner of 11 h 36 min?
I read 6 h 06 min
